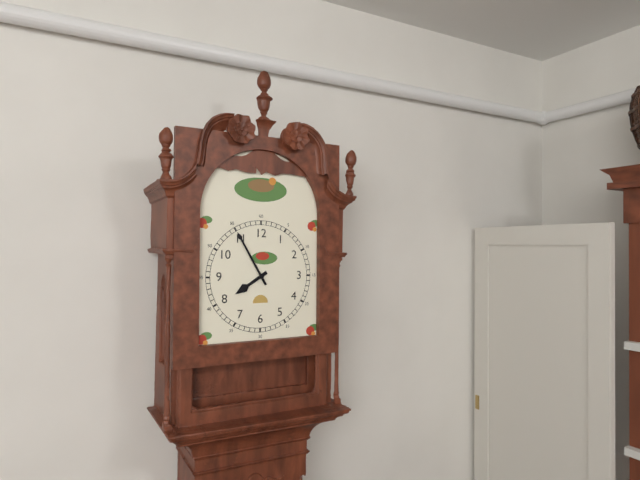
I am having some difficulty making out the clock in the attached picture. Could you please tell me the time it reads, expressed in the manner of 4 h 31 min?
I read 7 h 55 min
